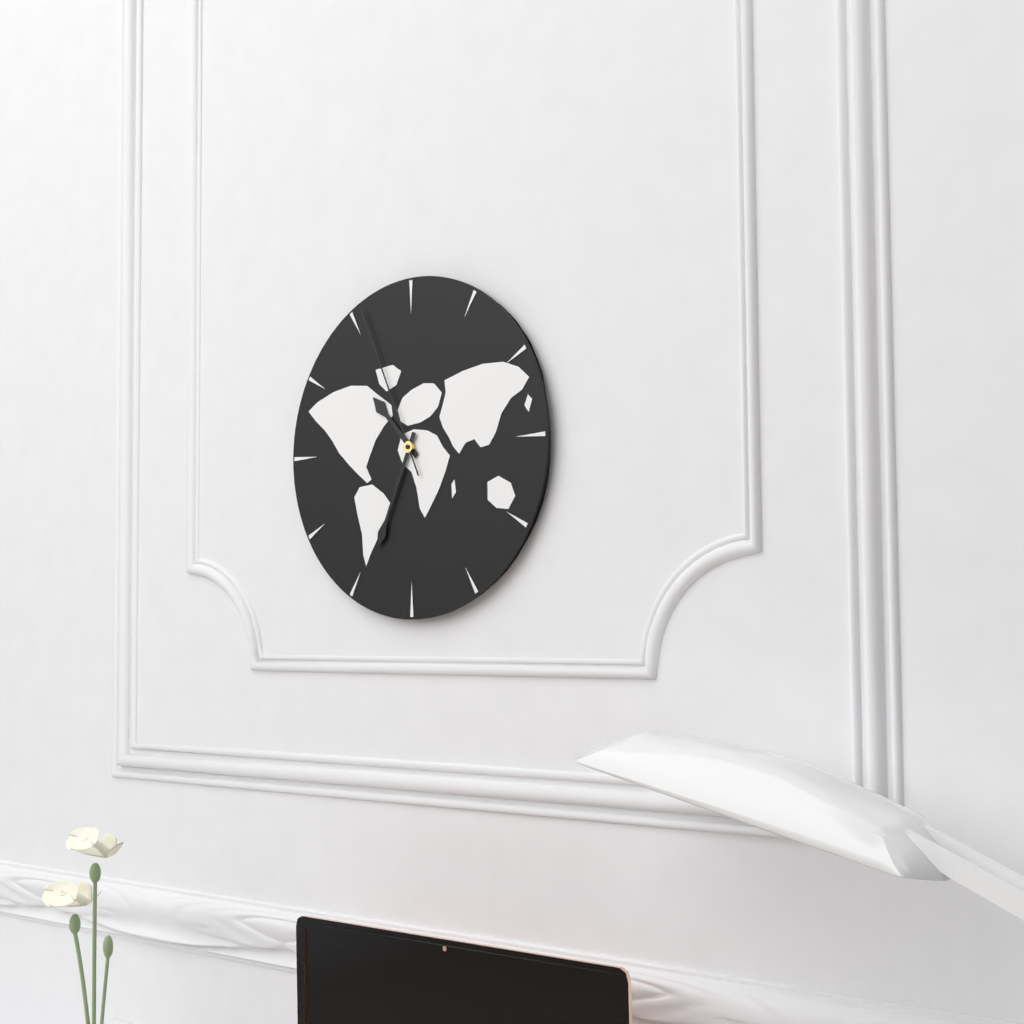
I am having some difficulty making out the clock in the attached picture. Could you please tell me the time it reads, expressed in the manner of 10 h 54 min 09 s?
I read 10 h 34 min 56 s
